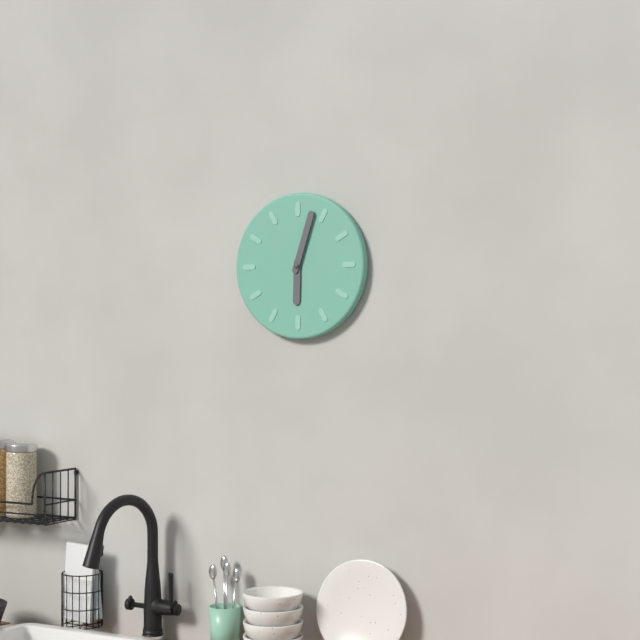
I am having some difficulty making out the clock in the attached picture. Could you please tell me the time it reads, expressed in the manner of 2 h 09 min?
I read 6 h 03 min
